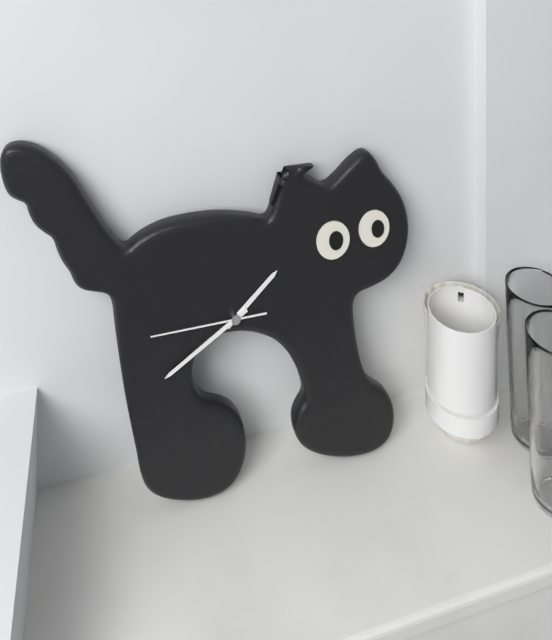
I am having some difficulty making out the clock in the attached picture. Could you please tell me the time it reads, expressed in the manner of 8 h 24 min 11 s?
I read 1 h 40 min 45 s
